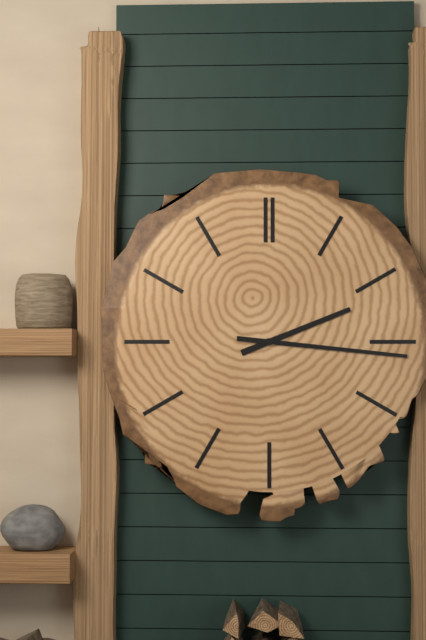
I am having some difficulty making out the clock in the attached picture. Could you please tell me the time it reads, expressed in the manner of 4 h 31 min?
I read 2 h 16 min
